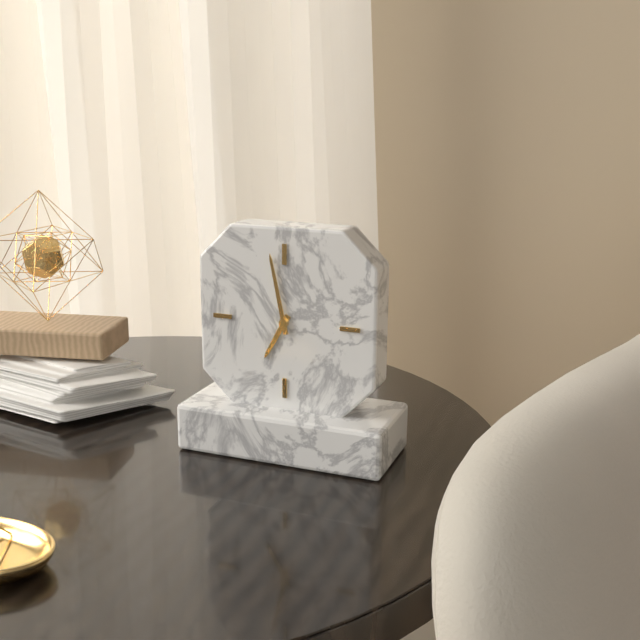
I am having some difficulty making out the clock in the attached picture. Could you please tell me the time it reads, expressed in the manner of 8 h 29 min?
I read 6 h 58 min
